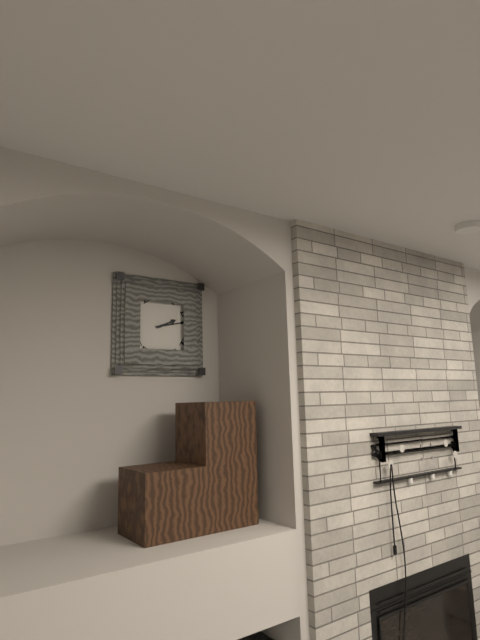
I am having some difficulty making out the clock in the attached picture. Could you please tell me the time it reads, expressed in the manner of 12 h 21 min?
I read 2 h 13 min
